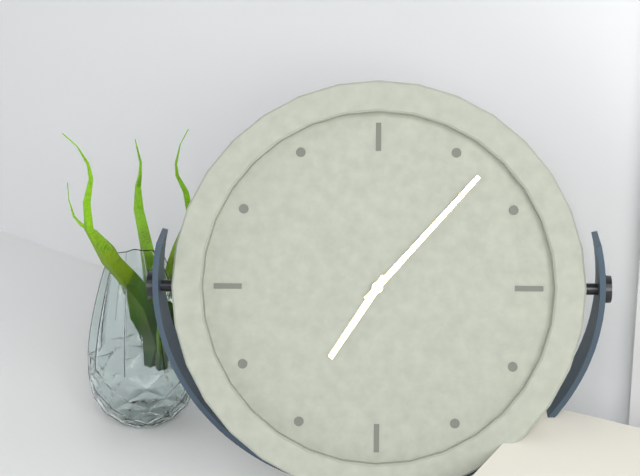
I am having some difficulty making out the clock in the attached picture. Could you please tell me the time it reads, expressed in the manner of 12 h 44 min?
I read 7 h 07 min
